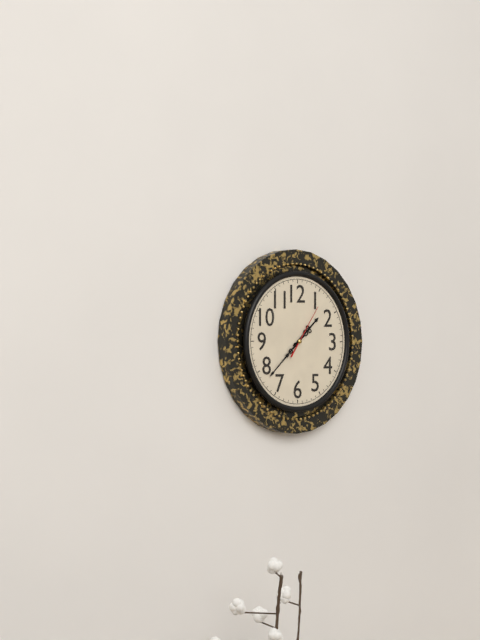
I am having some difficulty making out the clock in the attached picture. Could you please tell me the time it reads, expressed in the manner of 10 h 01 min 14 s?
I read 1 h 38 min 06 s
